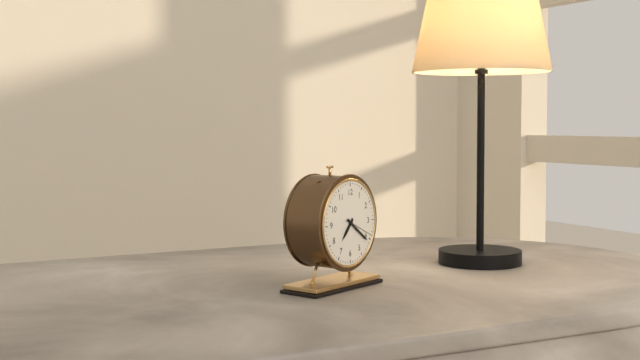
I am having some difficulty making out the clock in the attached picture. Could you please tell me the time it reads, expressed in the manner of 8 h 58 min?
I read 7 h 21 min
